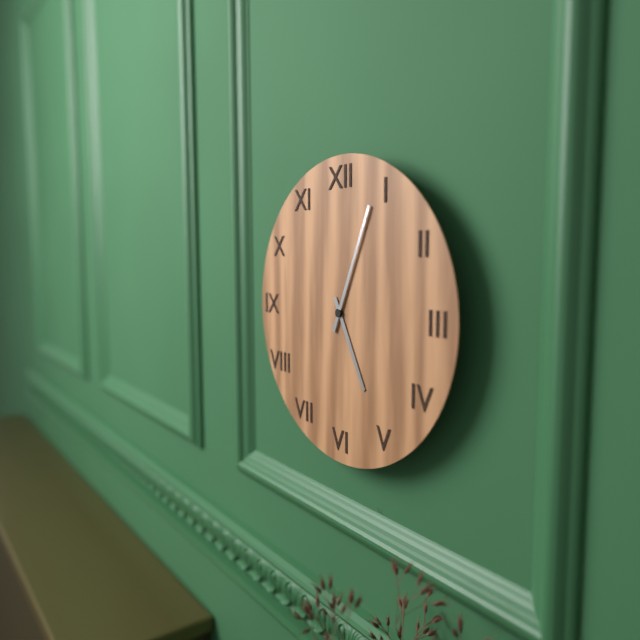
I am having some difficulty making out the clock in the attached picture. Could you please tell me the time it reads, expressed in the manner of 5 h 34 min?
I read 5 h 04 min
